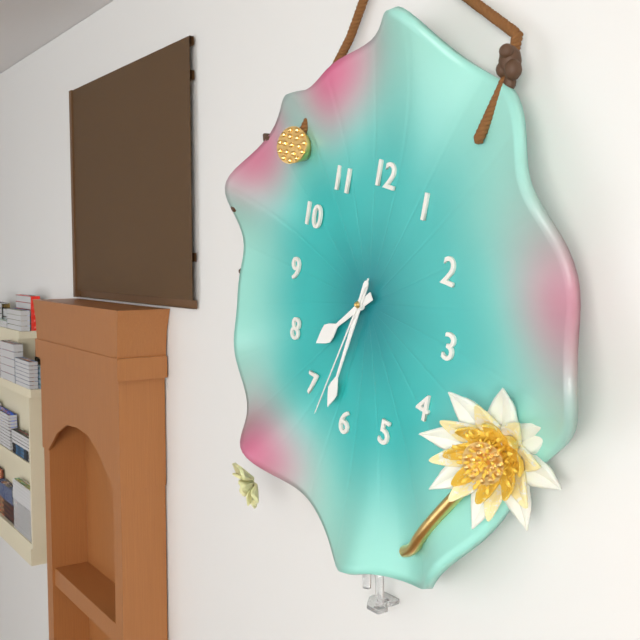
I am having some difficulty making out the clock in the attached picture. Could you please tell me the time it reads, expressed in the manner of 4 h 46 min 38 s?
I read 7 h 32 min 33 s
